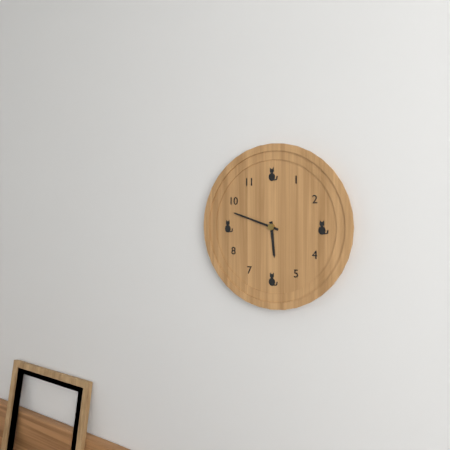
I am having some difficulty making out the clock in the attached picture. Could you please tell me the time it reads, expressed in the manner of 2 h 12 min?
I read 5 h 48 min
